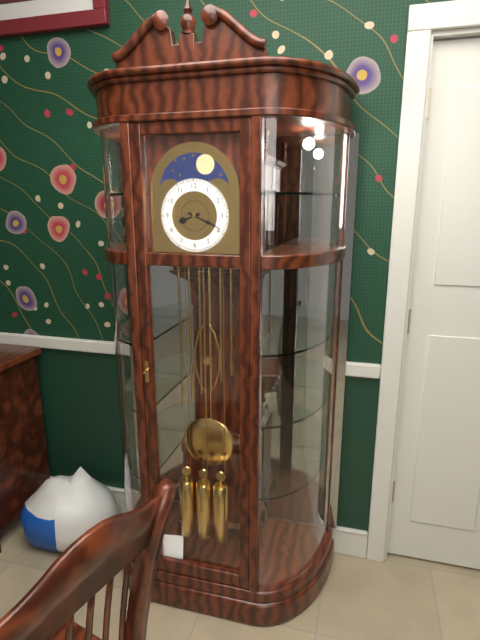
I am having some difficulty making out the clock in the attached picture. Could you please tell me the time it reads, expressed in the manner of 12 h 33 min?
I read 8 h 19 min
